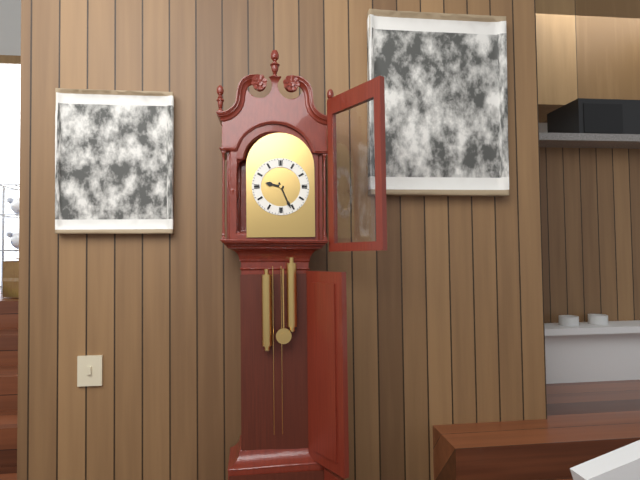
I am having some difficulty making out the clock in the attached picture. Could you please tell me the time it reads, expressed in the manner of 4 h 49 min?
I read 9 h 26 min
